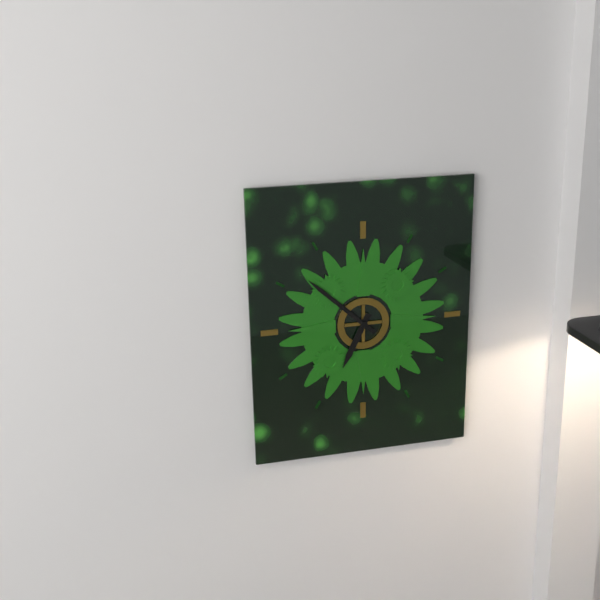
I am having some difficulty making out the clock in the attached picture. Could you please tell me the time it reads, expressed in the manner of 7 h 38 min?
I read 6 h 52 min
